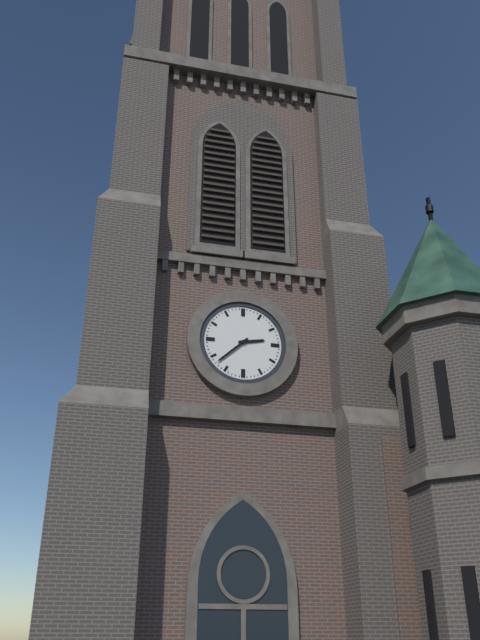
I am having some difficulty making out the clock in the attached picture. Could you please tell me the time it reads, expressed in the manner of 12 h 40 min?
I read 2 h 38 min
